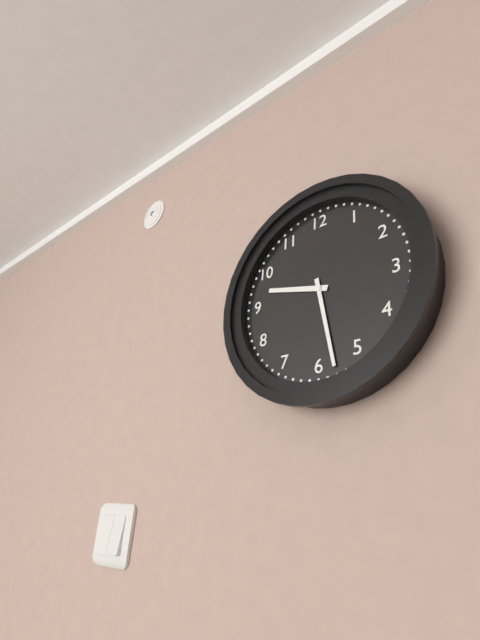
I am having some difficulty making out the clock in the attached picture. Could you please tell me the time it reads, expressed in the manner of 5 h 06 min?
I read 9 h 28 min
